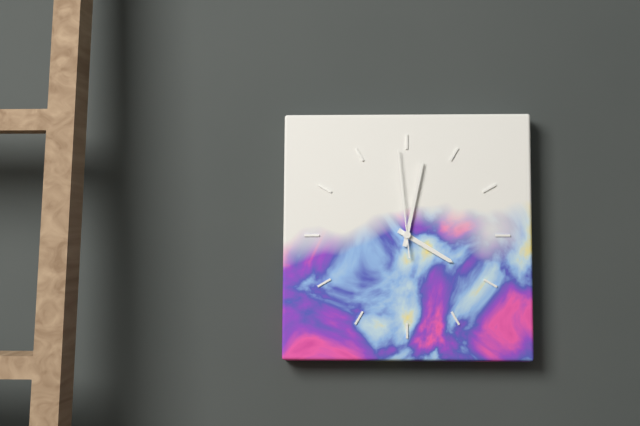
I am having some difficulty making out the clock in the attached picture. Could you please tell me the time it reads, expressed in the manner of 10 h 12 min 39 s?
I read 4 h 02 min 59 s
